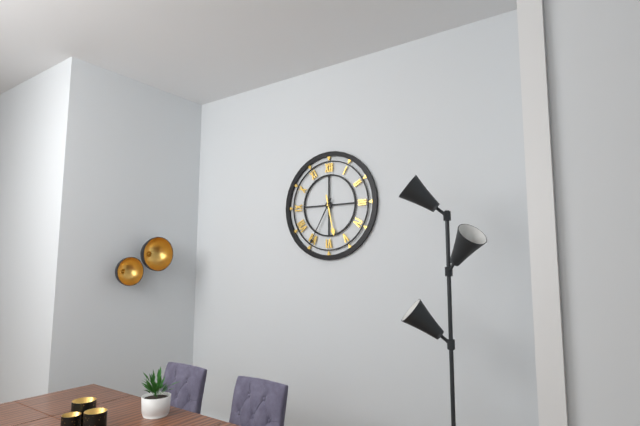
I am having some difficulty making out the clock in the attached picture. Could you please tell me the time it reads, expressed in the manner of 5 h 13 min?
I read 5 h 35 min
